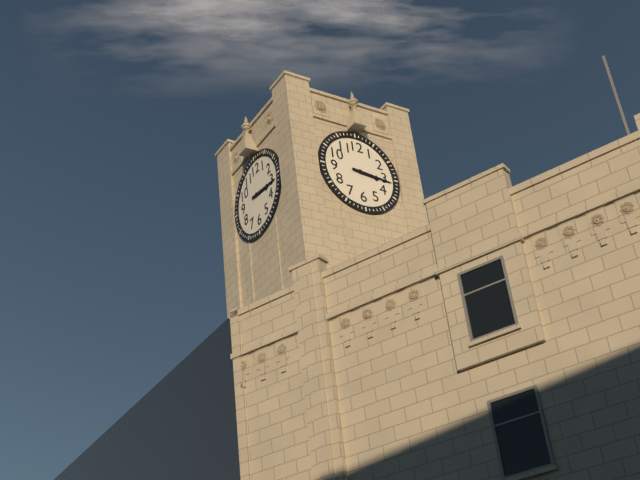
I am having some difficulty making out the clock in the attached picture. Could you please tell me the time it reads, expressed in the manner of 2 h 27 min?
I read 3 h 16 min
